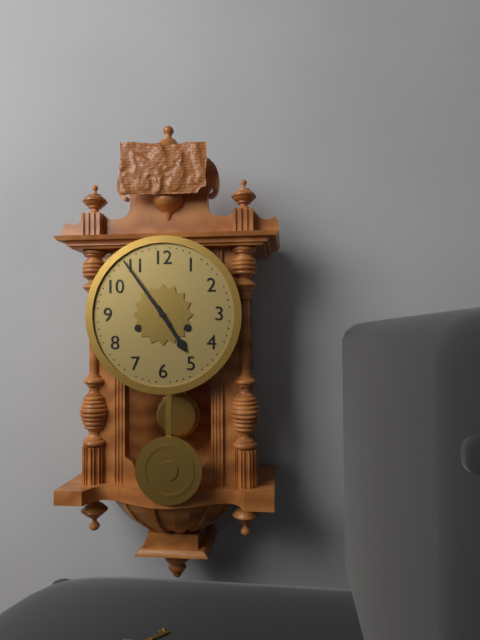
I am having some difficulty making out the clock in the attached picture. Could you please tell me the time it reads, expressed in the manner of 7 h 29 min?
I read 4 h 54 min
